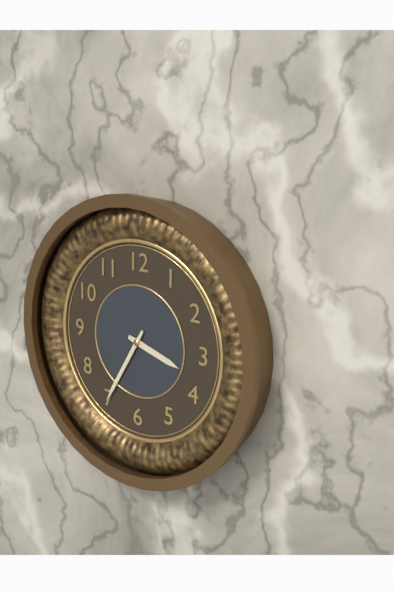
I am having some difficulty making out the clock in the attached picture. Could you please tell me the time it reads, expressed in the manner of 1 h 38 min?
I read 3 h 35 min
